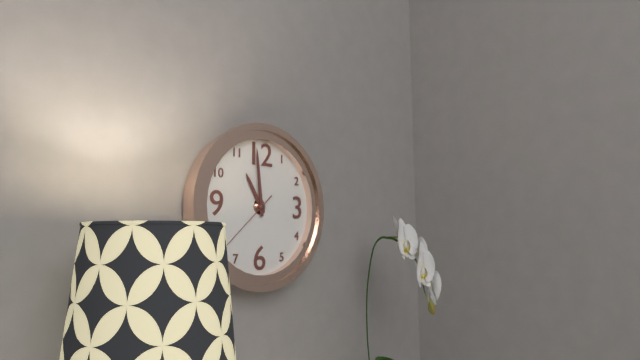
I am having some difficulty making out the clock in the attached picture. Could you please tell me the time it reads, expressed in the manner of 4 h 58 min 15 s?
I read 10 h 59 min 38 s
